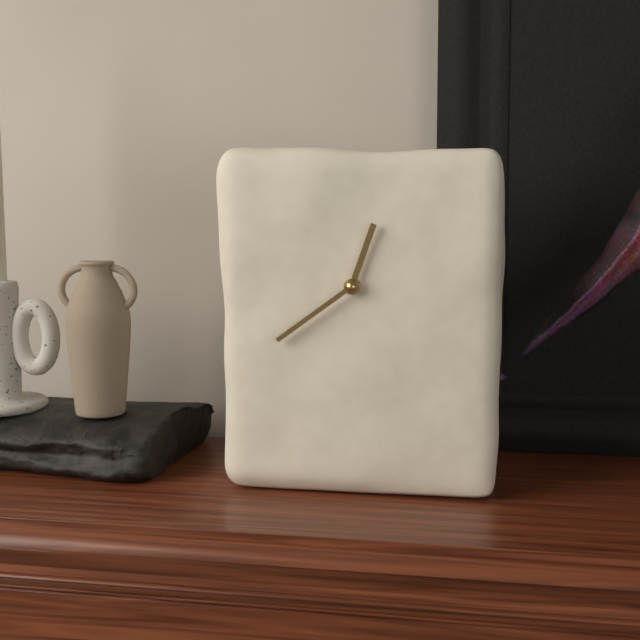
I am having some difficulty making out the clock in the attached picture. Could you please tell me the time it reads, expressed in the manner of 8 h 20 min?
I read 12 h 39 min
